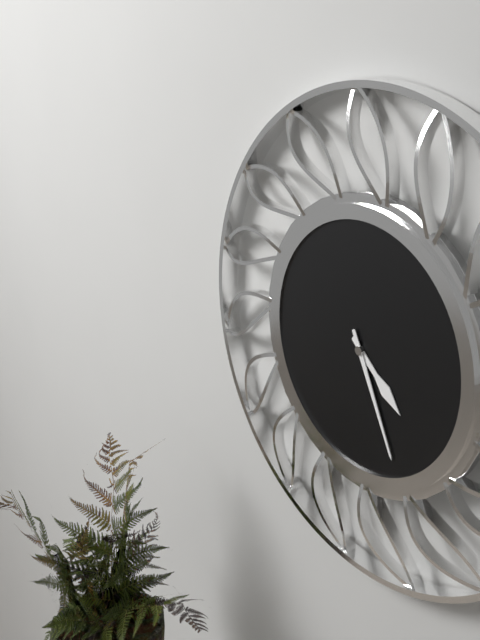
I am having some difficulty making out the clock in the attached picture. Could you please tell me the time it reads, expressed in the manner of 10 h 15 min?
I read 4 h 26 min
